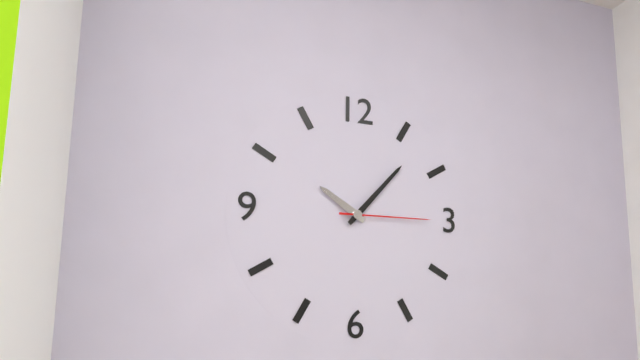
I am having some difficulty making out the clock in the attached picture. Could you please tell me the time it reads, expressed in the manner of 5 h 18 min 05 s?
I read 10 h 07 min 15 s
